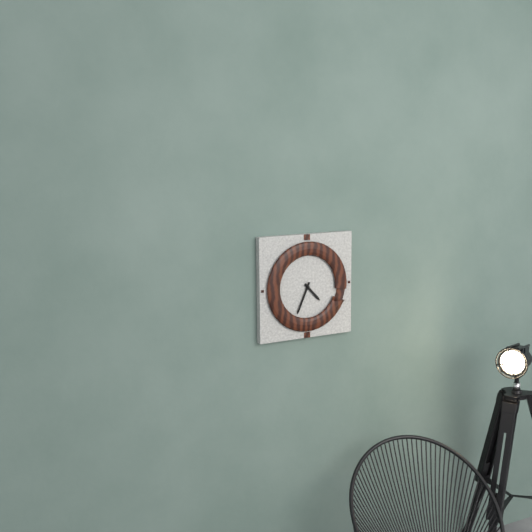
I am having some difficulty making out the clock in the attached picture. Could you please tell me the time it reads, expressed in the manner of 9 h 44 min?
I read 4 h 34 min
